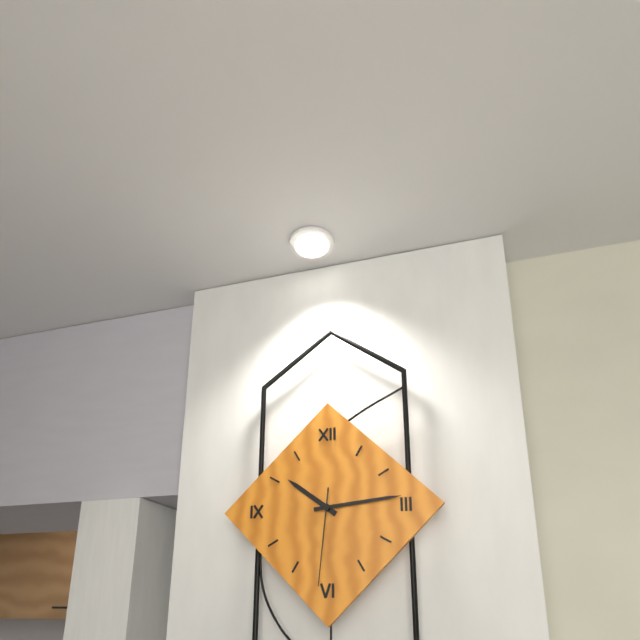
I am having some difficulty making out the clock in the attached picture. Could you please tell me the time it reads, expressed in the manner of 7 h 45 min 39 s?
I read 10 h 14 min 31 s
